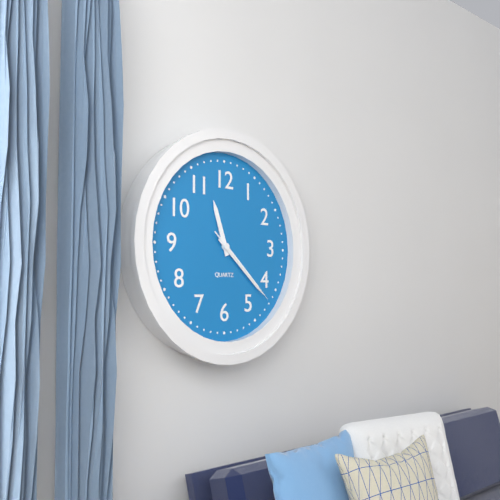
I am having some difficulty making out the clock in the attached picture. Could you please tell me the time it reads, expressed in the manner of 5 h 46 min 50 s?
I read 11 h 22 min 22 s
